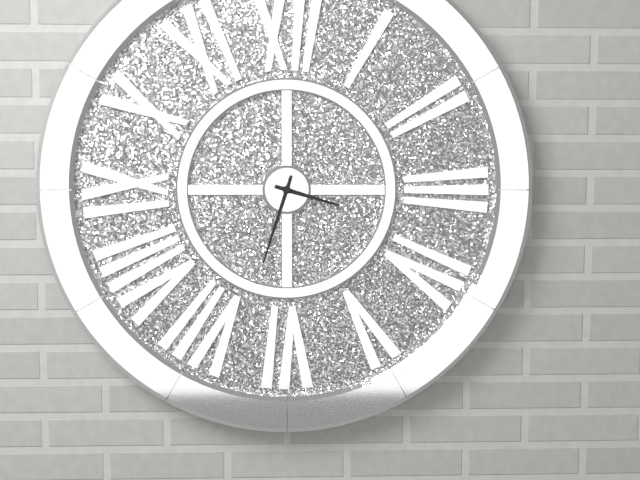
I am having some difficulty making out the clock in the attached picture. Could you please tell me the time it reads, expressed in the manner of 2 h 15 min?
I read 3 h 33 min
